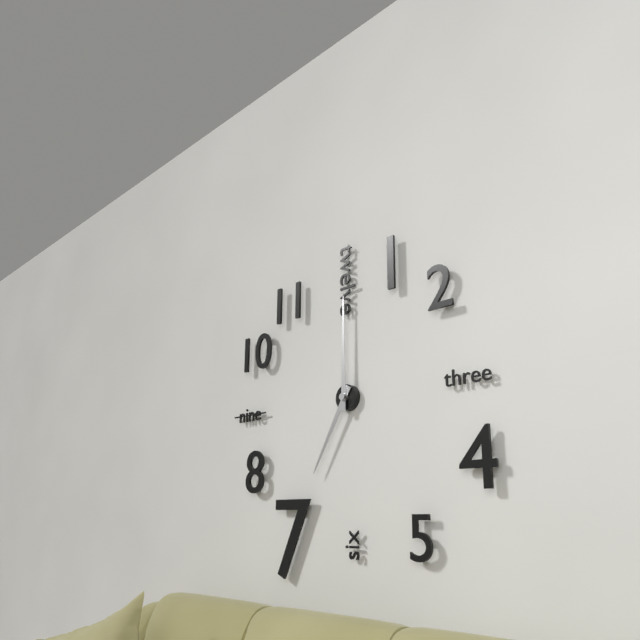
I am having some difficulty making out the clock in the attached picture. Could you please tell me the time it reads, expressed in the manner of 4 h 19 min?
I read 7 h 00 min
